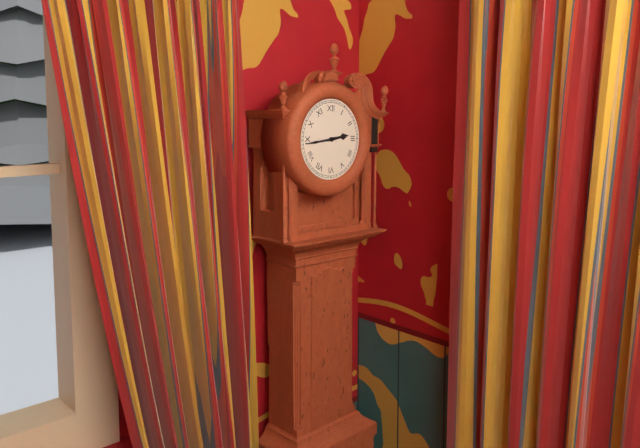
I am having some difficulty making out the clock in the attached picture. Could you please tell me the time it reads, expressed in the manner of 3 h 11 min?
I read 2 h 44 min
